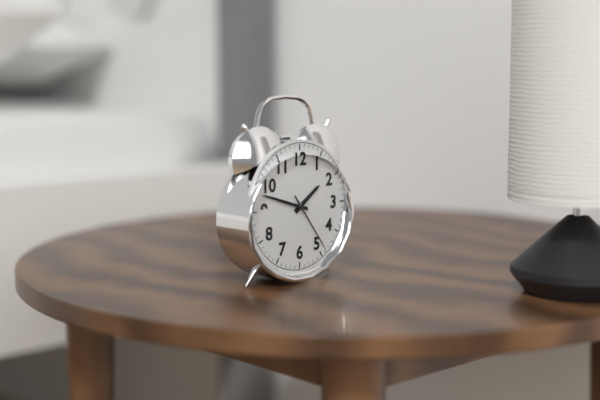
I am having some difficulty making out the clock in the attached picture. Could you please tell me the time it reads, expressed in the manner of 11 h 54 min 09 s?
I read 1 h 48 min 24 s
